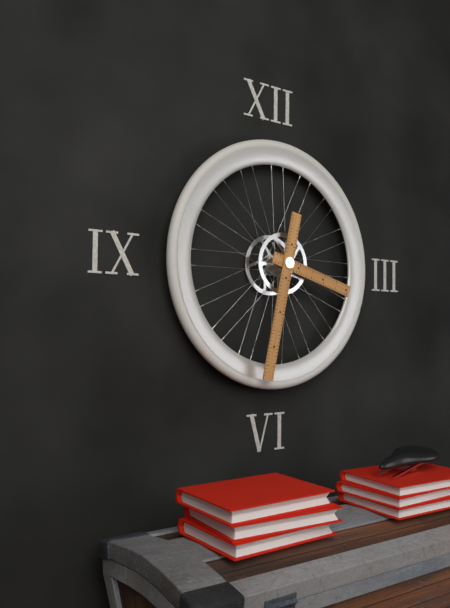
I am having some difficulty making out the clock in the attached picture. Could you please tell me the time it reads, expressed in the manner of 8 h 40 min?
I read 3 h 32 min
